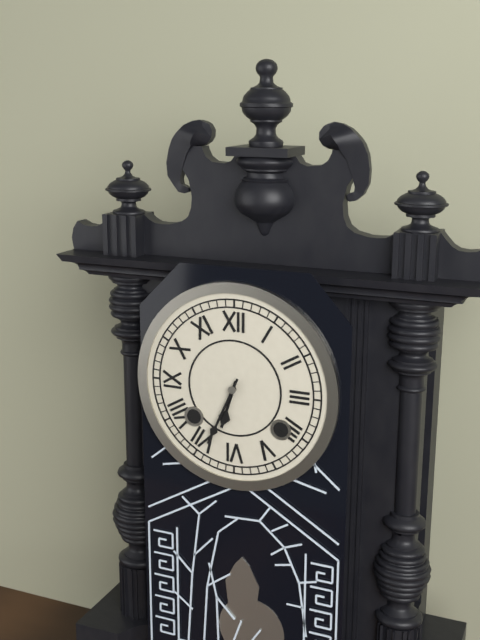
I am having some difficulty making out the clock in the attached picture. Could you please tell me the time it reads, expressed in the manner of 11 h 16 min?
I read 6 h 34 min
